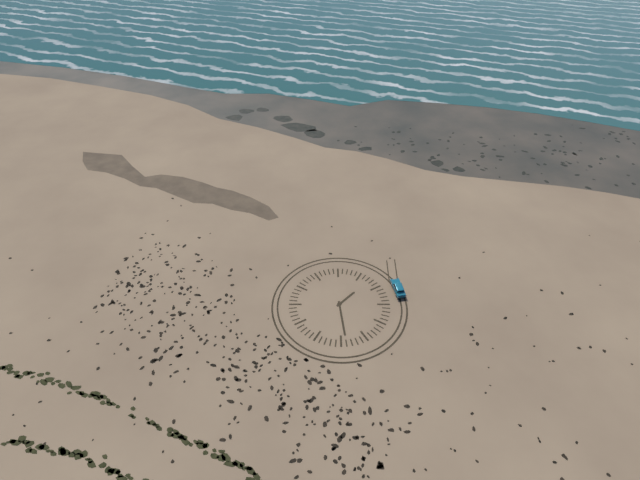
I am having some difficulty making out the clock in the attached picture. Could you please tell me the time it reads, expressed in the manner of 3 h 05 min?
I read 1 h 29 min
